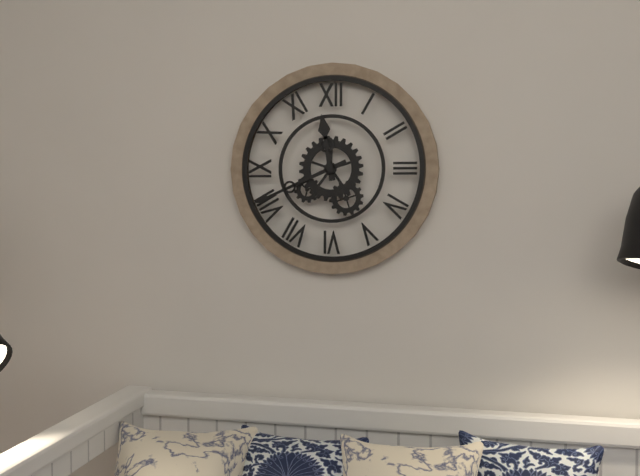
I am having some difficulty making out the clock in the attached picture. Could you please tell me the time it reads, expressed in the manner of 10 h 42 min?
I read 11 h 41 min
